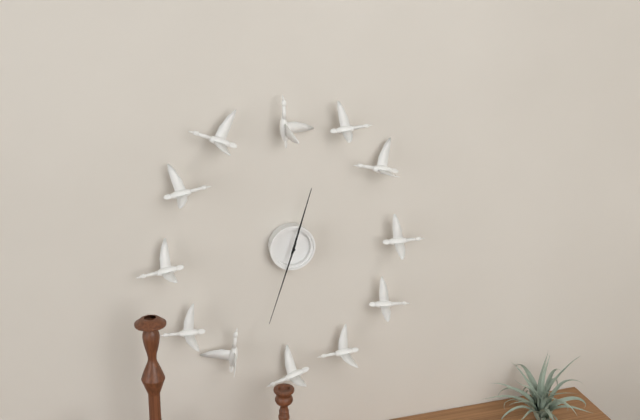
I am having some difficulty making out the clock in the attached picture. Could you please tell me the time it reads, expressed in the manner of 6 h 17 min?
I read 12 h 33 min
